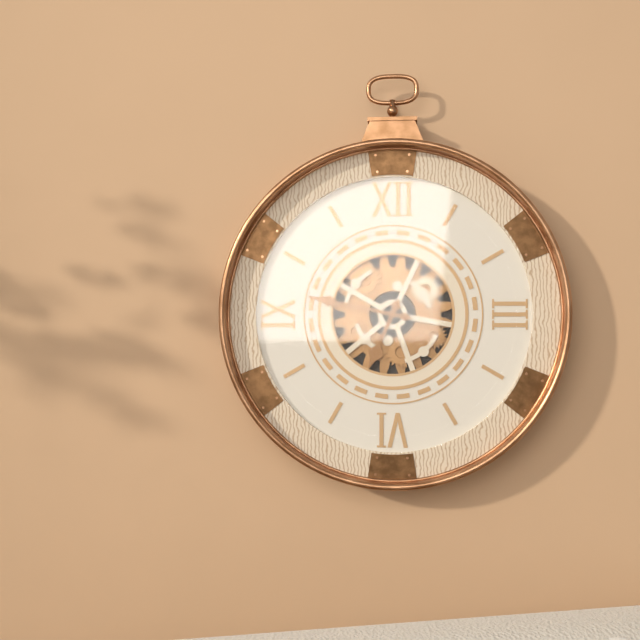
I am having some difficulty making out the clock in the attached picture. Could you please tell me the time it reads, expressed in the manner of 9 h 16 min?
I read 6 h 47 min
